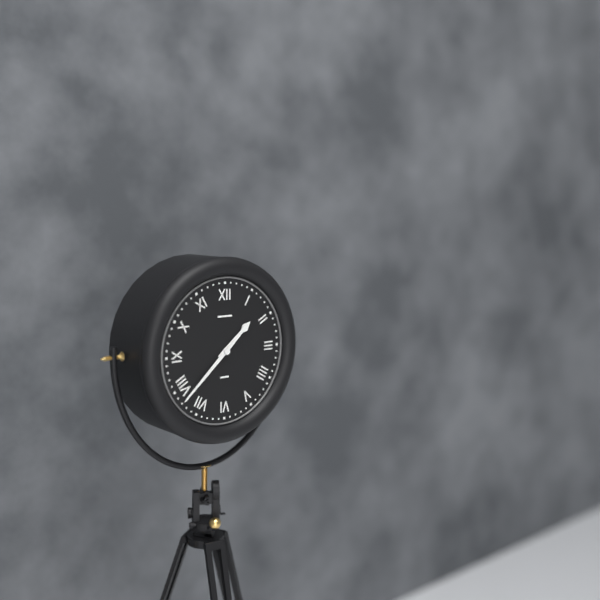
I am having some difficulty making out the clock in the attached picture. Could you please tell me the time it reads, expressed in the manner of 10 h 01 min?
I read 1 h 38 min
